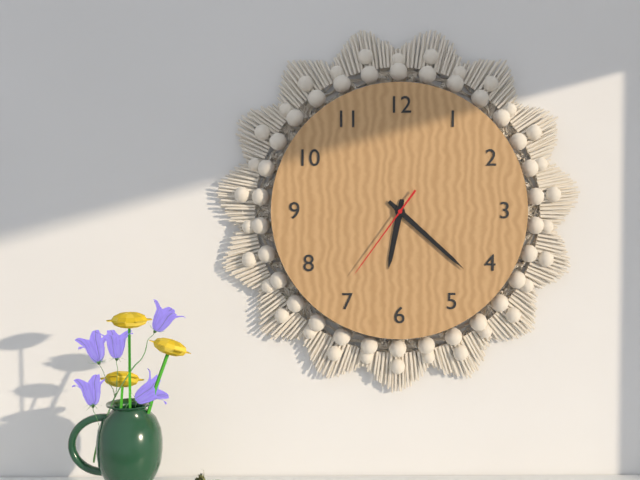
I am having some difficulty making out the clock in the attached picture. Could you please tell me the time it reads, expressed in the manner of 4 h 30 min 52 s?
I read 6 h 22 min 36 s
